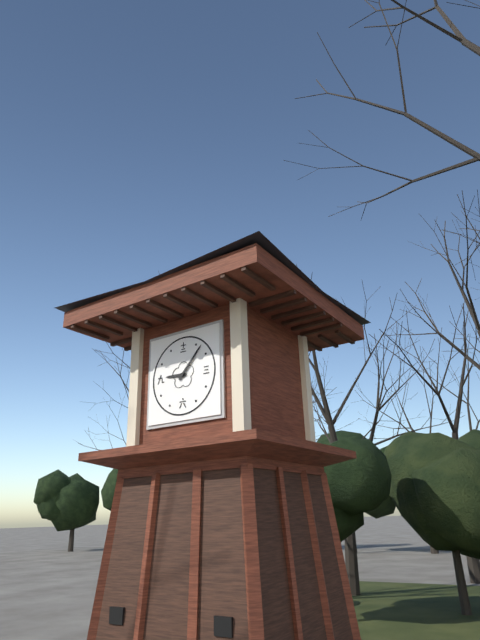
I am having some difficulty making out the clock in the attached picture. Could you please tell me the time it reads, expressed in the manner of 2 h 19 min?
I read 9 h 07 min
